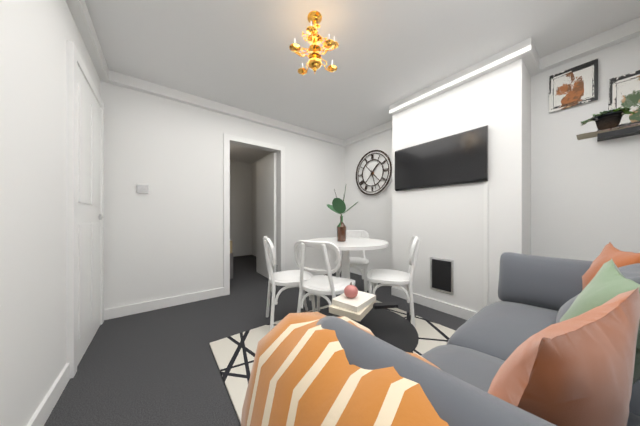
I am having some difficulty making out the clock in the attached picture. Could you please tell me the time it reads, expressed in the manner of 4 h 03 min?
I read 1 h 27 min
